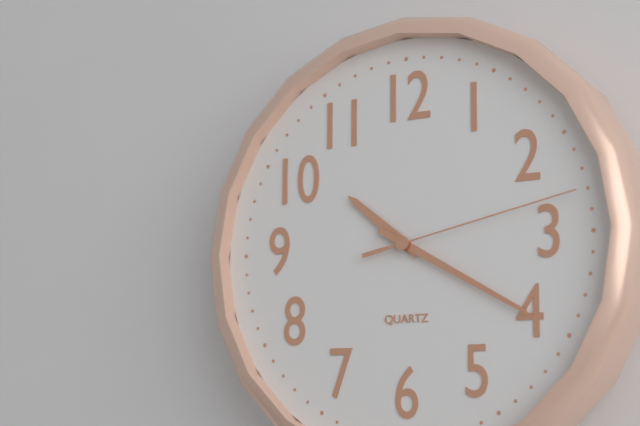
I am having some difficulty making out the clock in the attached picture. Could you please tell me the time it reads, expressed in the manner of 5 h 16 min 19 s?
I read 10 h 20 min 13 s
